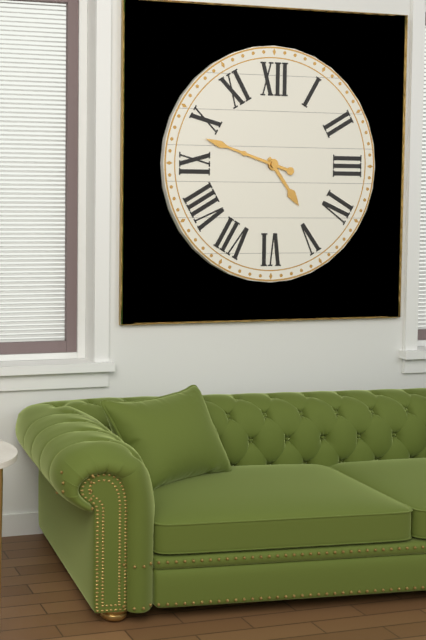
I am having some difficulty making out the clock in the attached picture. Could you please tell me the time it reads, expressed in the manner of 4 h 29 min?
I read 4 h 48 min
